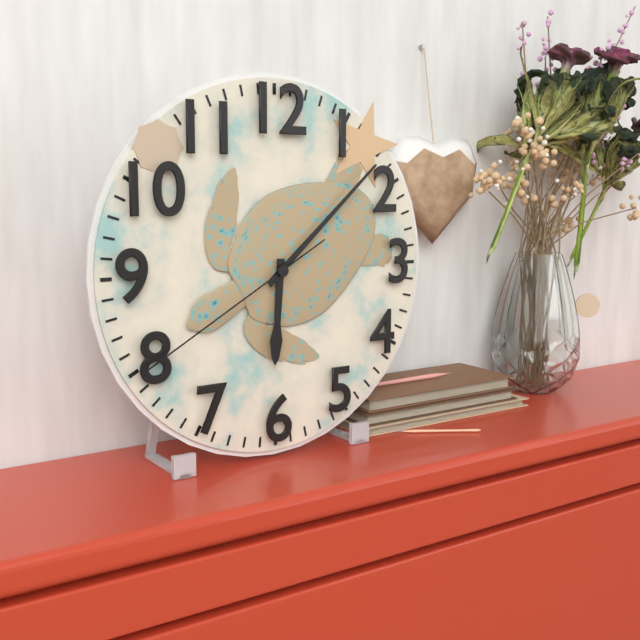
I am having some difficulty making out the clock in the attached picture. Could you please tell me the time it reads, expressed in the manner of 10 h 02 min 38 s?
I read 6 h 08 min 40 s
